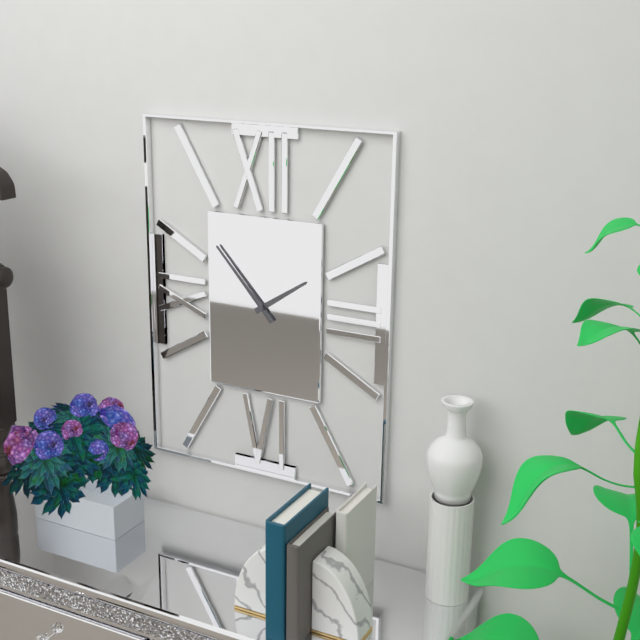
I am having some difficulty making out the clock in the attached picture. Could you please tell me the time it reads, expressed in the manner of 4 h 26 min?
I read 1 h 53 min
